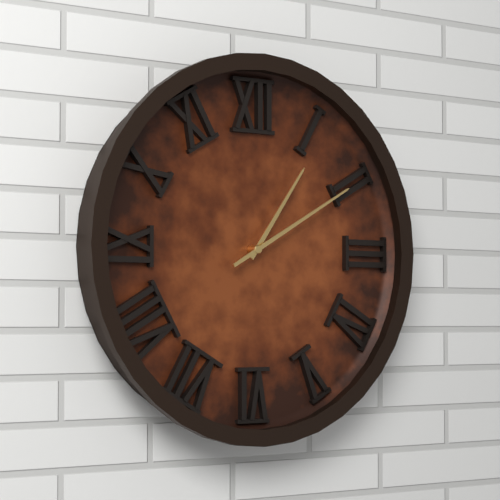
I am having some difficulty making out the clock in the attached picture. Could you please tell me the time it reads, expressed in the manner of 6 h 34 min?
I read 1 h 10 min
